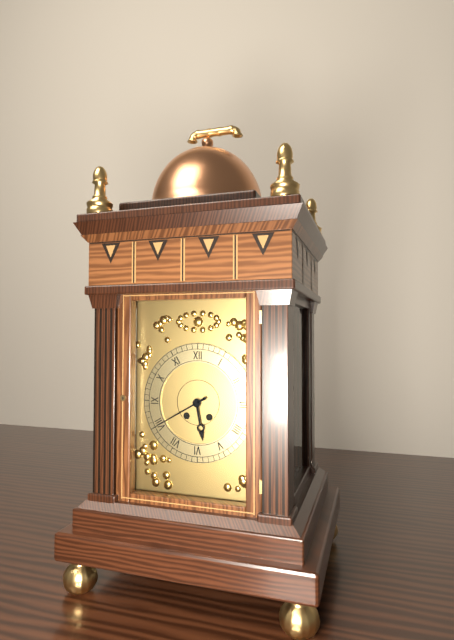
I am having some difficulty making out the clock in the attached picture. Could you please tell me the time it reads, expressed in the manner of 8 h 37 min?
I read 5 h 40 min
